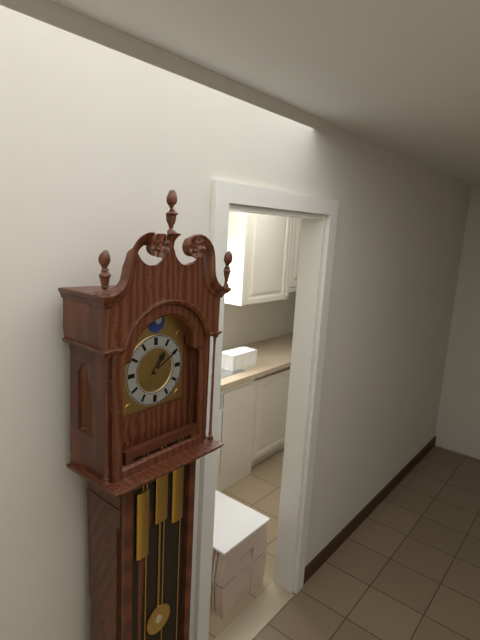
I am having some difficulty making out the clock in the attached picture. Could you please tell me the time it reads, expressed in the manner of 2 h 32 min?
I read 1 h 10 min
